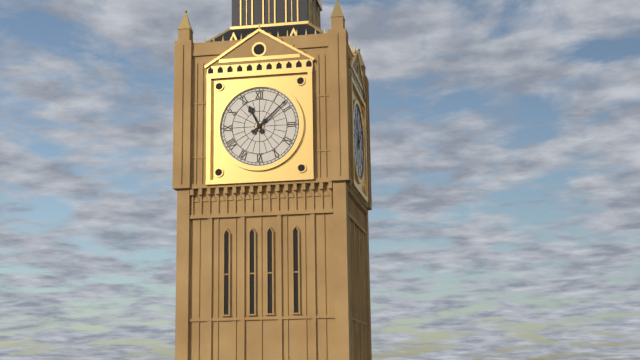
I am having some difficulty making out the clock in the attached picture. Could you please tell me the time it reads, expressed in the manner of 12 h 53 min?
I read 11 h 08 min
